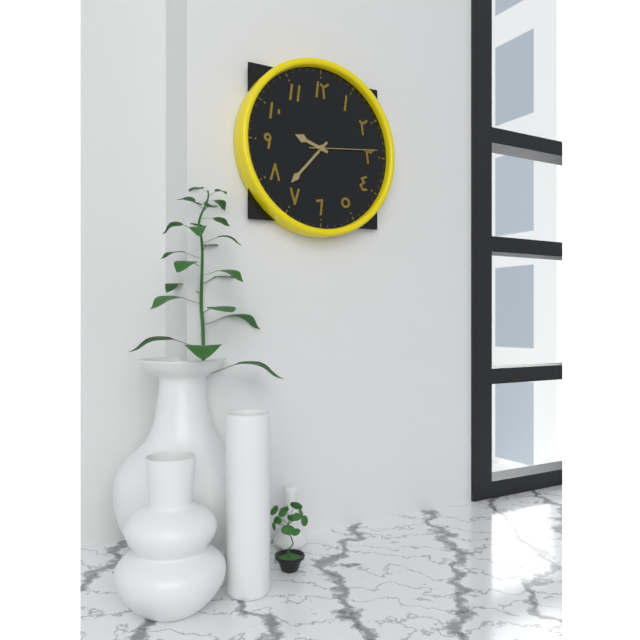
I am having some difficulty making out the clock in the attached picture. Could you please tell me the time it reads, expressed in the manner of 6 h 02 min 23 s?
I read 9 h 37 min 14 s
